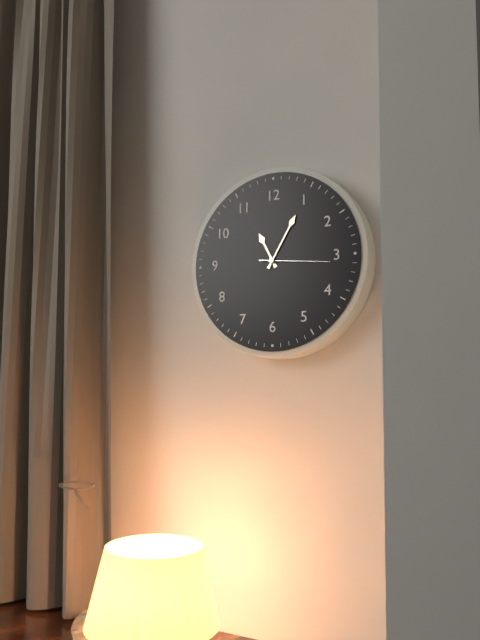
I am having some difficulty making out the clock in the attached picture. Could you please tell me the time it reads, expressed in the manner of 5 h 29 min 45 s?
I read 11 h 05 min 16 s
